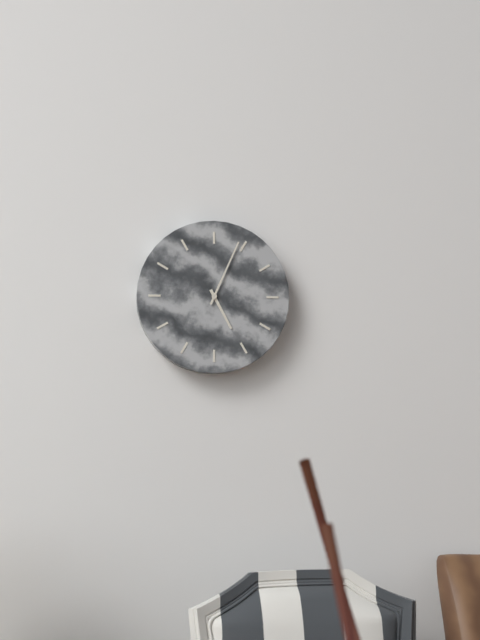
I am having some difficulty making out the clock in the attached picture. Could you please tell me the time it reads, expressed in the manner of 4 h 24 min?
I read 5 h 04 min
